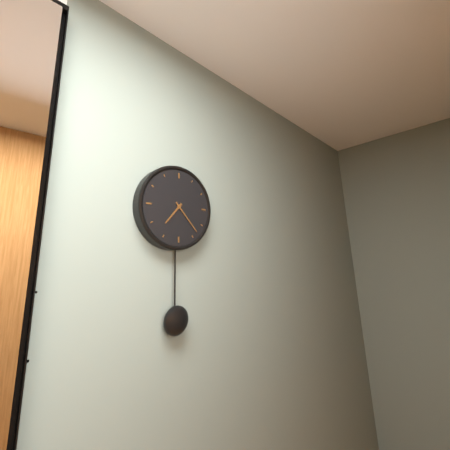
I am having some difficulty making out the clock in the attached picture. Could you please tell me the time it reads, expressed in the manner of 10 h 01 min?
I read 7 h 23 min
